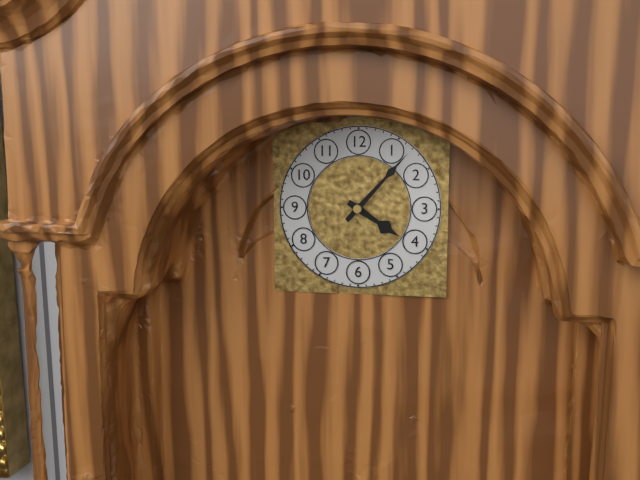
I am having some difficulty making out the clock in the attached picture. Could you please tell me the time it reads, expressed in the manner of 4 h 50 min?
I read 4 h 07 min
